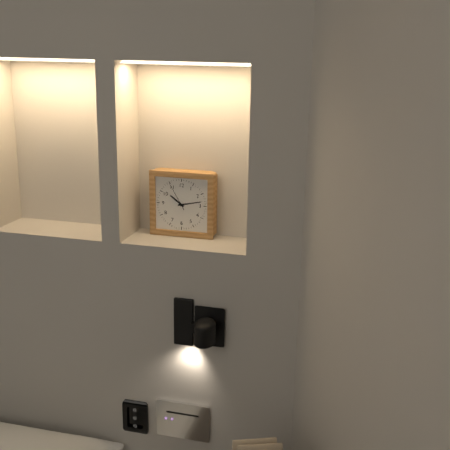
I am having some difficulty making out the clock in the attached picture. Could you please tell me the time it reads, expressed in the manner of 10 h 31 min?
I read 10 h 13 min
